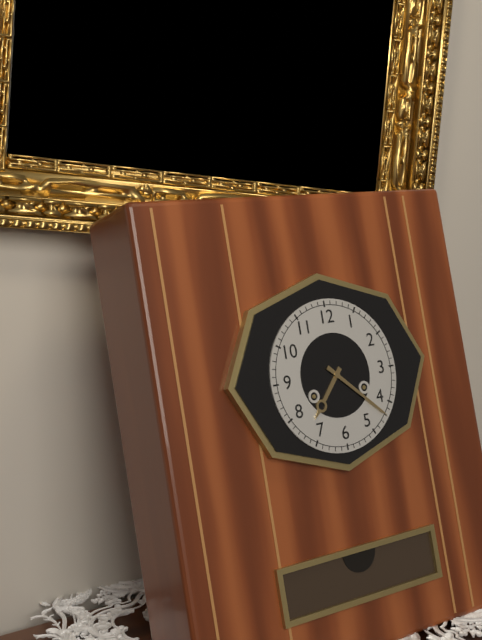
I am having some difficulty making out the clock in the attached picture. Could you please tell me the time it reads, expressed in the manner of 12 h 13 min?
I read 7 h 22 min
